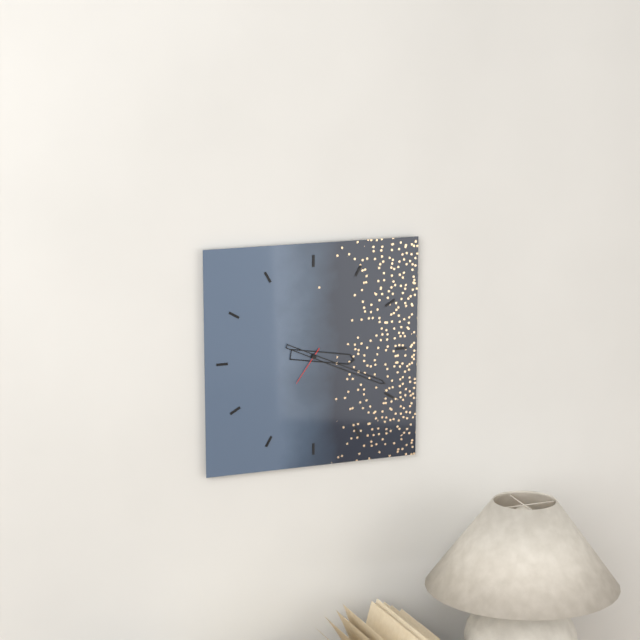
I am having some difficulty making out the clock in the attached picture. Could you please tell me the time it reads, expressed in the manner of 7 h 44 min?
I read 3 h 19 min
